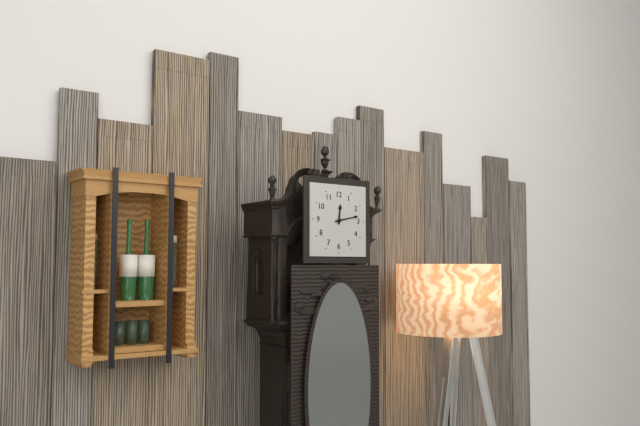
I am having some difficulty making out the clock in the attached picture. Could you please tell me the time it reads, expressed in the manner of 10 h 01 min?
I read 12 h 13 min
